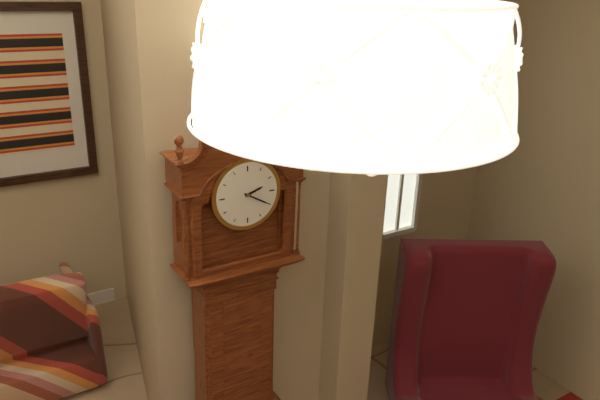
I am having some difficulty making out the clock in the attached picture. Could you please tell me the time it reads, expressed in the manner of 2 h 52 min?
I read 2 h 20 min
